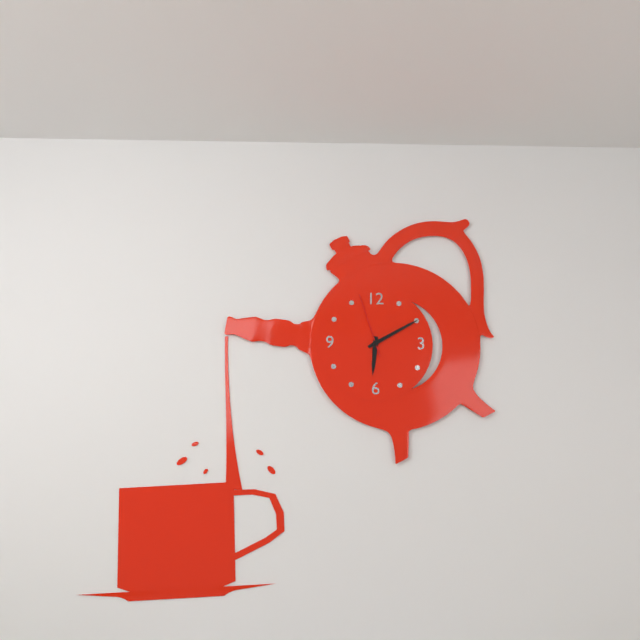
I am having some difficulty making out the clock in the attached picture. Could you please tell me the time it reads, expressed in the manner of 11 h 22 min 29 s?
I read 6 h 10 min 57 s
